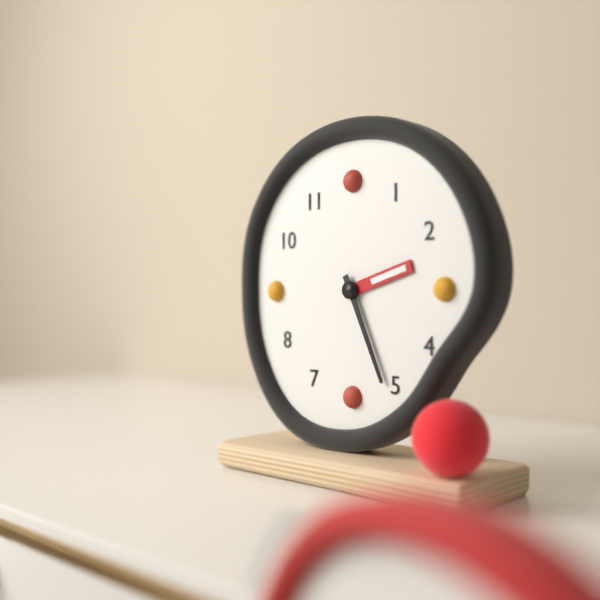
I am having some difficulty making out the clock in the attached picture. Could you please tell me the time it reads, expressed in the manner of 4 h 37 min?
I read 2 h 26 min
